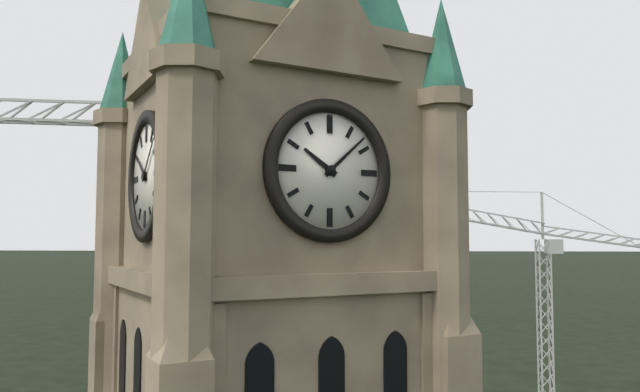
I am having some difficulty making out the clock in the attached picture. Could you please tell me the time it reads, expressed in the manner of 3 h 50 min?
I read 10 h 08 min
